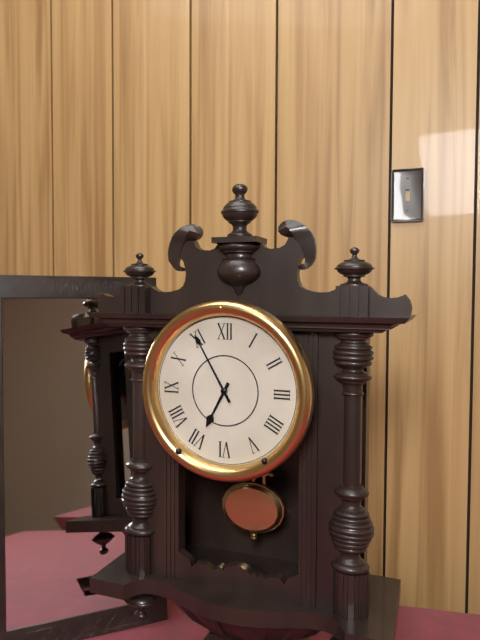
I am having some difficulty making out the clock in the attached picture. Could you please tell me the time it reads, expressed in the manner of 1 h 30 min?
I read 6 h 55 min
